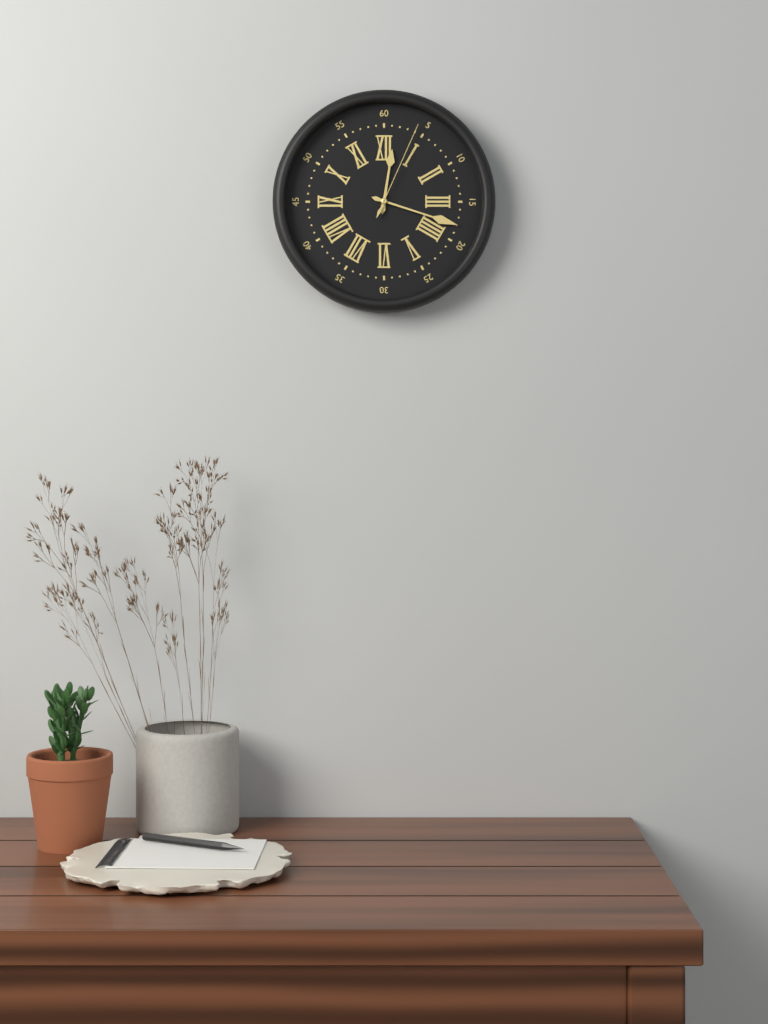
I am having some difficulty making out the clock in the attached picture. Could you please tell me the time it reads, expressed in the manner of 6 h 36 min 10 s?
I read 12 h 18 min 04 s
